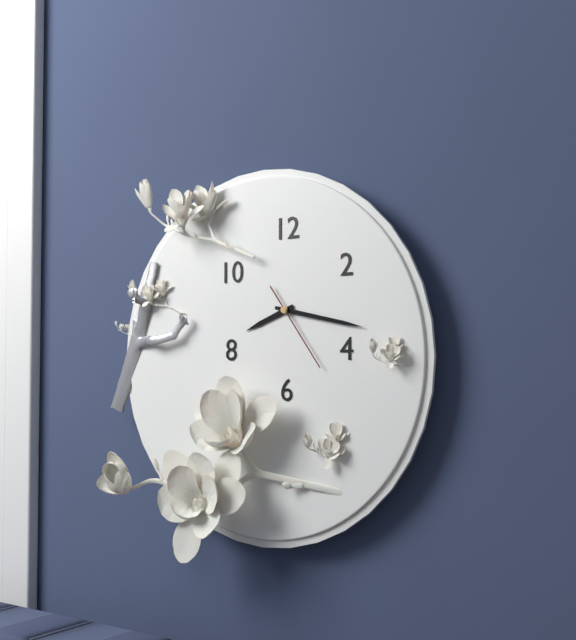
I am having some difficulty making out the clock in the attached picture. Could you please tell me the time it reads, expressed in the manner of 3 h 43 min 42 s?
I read 8 h 17 min 24 s
